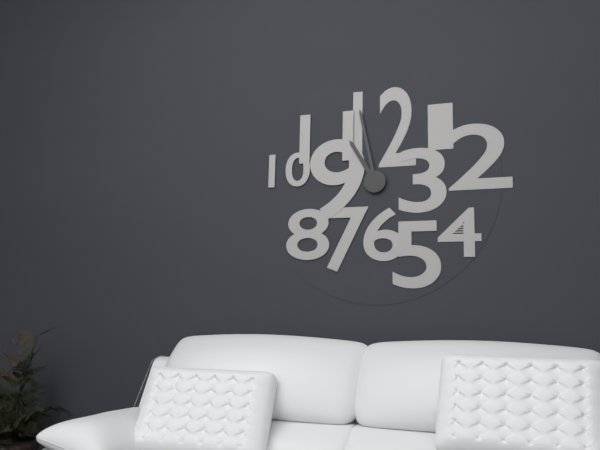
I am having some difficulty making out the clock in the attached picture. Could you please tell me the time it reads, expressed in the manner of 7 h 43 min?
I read 10 h 58 min
